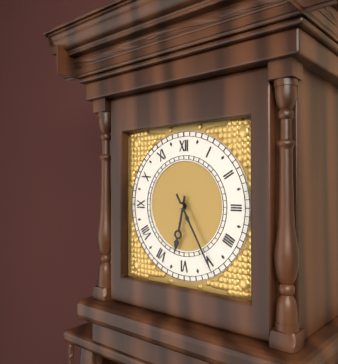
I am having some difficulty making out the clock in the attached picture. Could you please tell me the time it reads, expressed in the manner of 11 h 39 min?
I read 6 h 25 min
